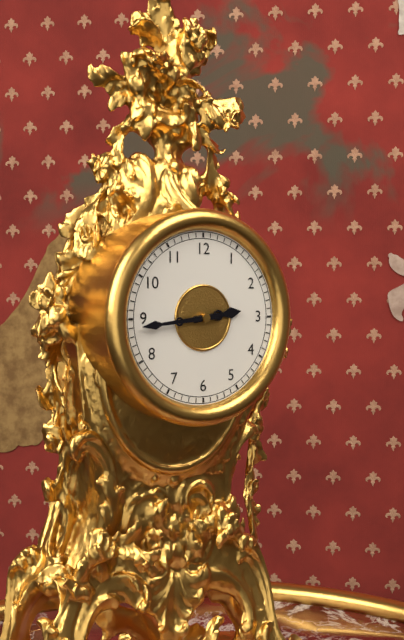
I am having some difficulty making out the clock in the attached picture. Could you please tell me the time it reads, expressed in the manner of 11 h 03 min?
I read 2 h 44 min
